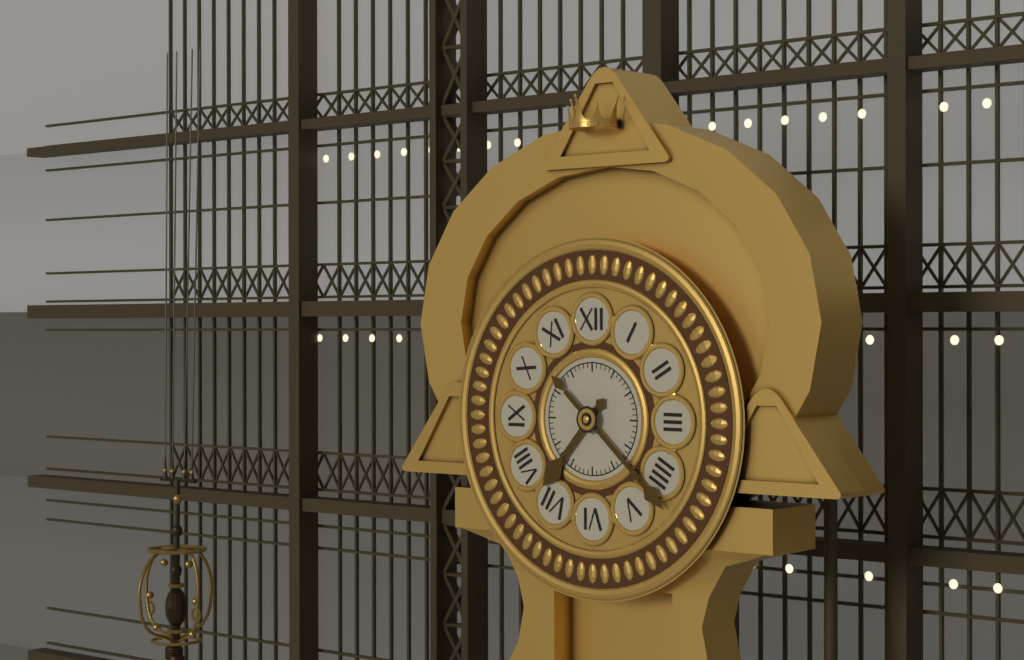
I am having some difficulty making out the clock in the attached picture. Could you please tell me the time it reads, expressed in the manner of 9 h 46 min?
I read 7 h 22 min
